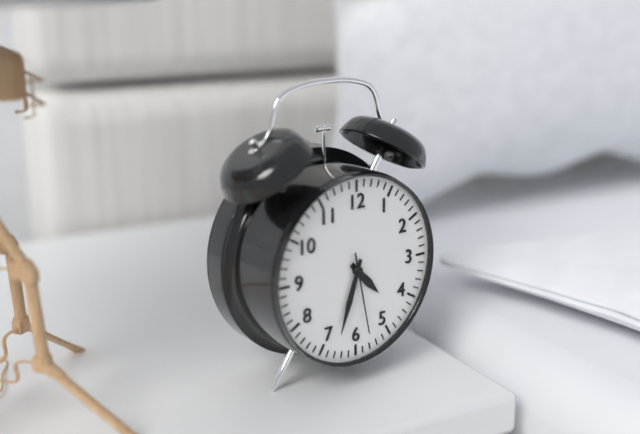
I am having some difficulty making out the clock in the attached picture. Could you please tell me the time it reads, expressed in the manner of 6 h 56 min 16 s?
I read 4 h 33 min 28 s
